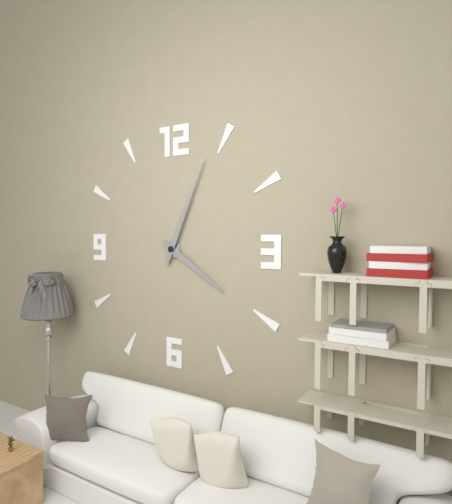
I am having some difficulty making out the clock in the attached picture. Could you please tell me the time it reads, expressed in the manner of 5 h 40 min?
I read 4 h 04 min
